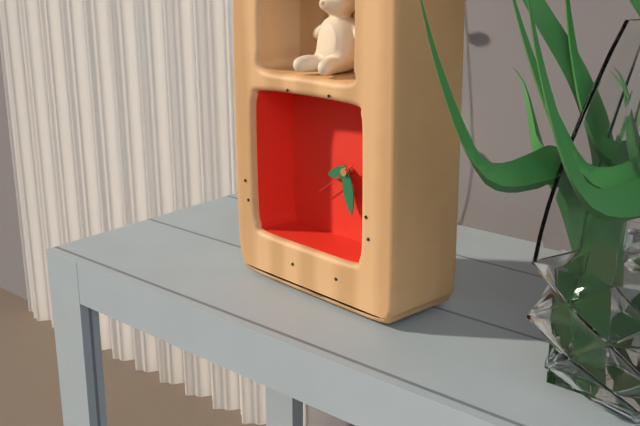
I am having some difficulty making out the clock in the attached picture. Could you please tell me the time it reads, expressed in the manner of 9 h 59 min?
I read 8 h 28 min
